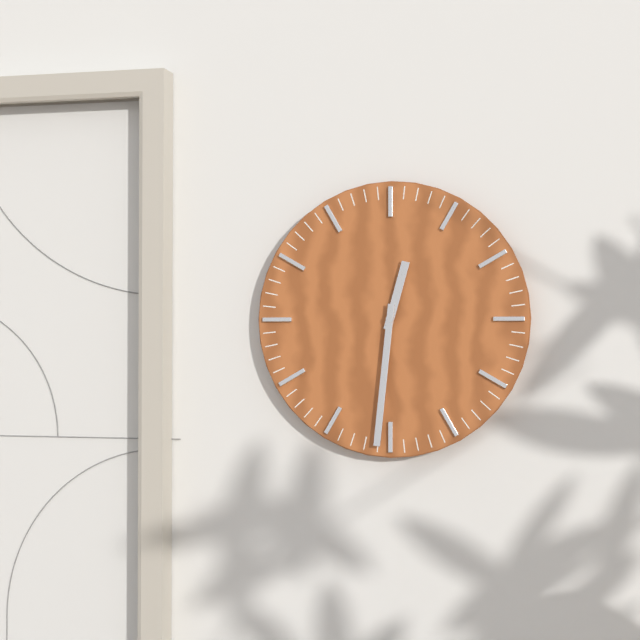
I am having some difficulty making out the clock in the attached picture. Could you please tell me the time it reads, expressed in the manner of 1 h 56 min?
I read 12 h 31 min
